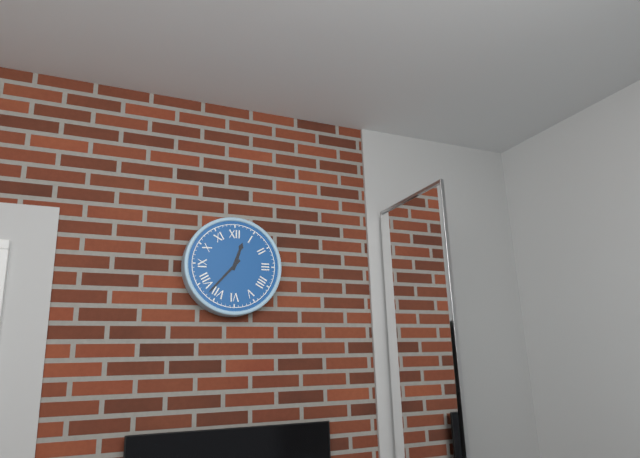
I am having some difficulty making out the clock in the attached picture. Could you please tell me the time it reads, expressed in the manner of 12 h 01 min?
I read 12 h 37 min
